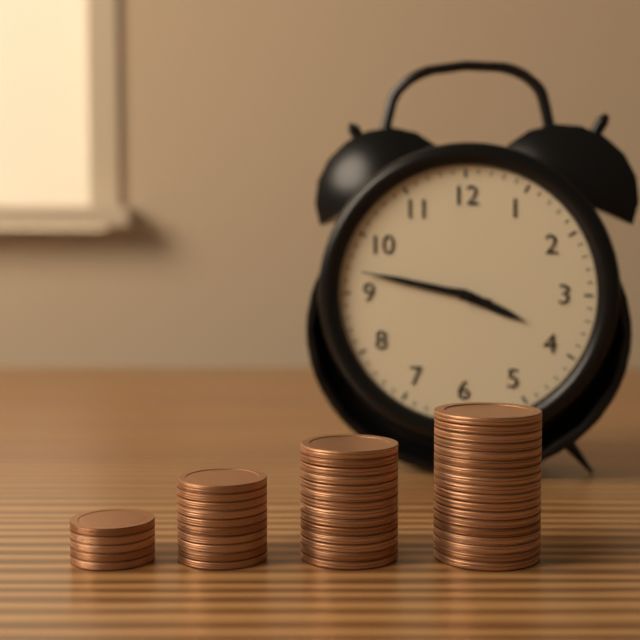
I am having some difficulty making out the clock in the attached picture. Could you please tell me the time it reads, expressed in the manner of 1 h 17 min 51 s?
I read 3 h 47 min 47 s
